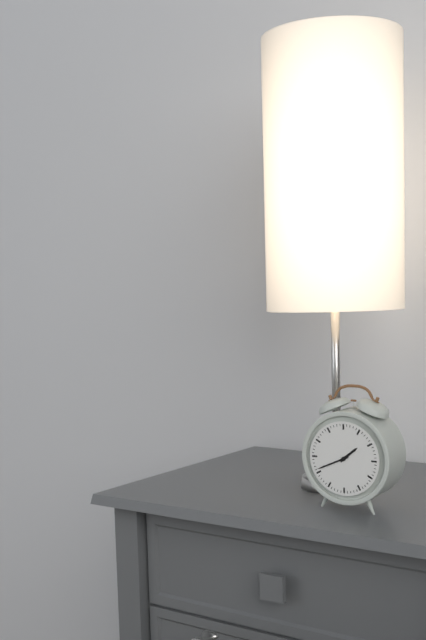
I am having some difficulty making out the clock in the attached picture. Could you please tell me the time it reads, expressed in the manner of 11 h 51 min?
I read 1 h 41 min
